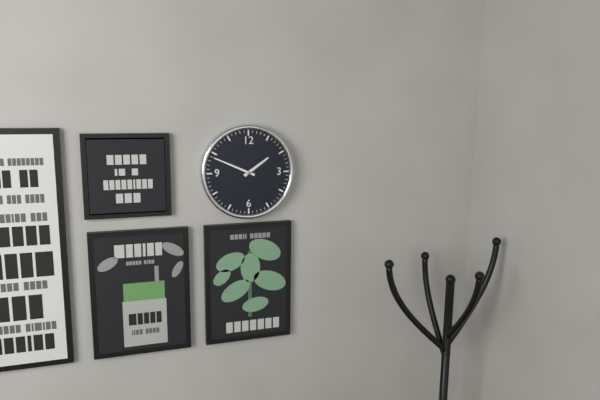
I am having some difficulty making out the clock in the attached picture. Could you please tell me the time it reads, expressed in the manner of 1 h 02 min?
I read 1 h 49 min
